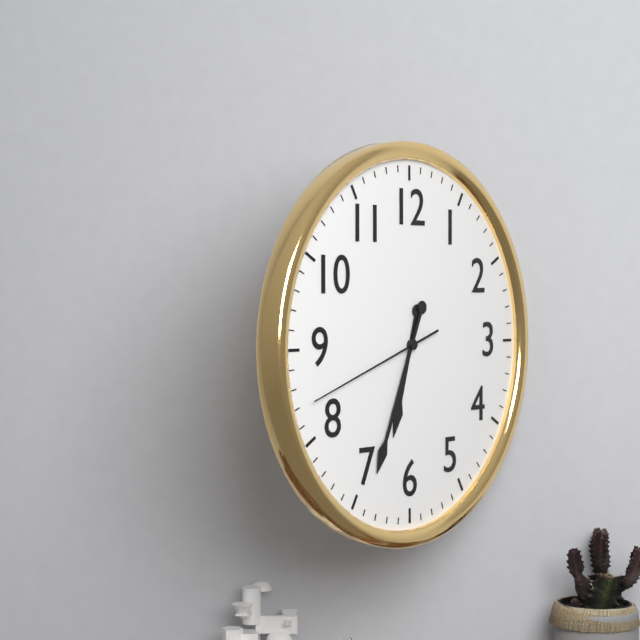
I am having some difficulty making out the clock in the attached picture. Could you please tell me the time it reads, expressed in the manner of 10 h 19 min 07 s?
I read 6 h 34 min 42 s
